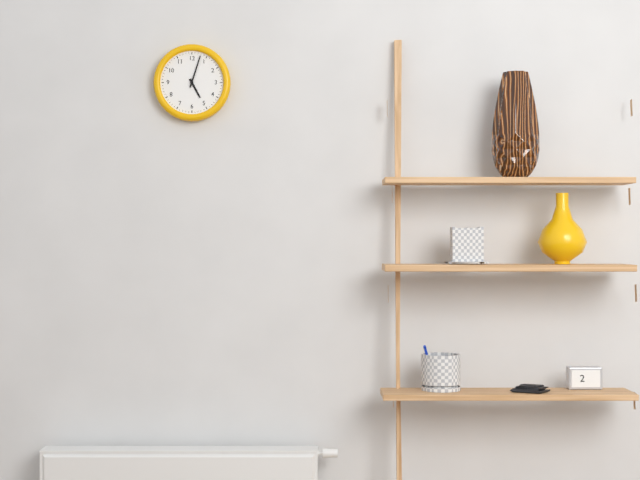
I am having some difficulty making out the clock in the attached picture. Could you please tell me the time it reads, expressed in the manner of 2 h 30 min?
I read 5 h 03 min
